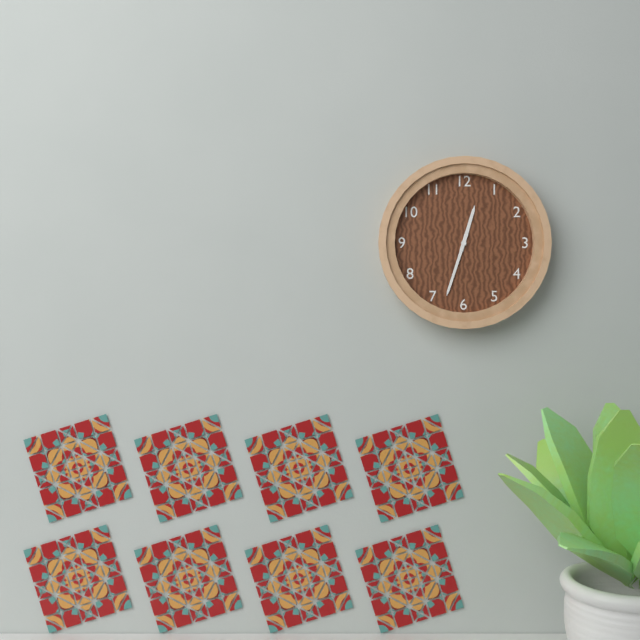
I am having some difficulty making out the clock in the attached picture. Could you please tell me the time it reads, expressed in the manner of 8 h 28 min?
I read 12 h 33 min
